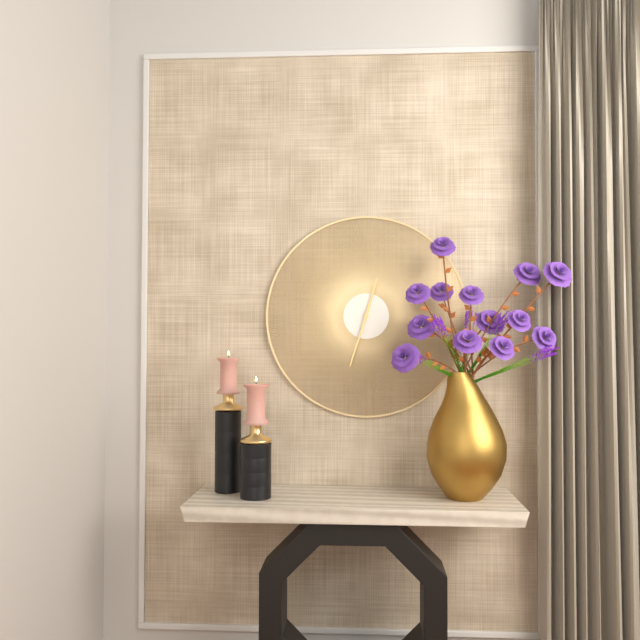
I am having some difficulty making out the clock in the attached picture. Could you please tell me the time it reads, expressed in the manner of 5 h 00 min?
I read 12 h 33 min
